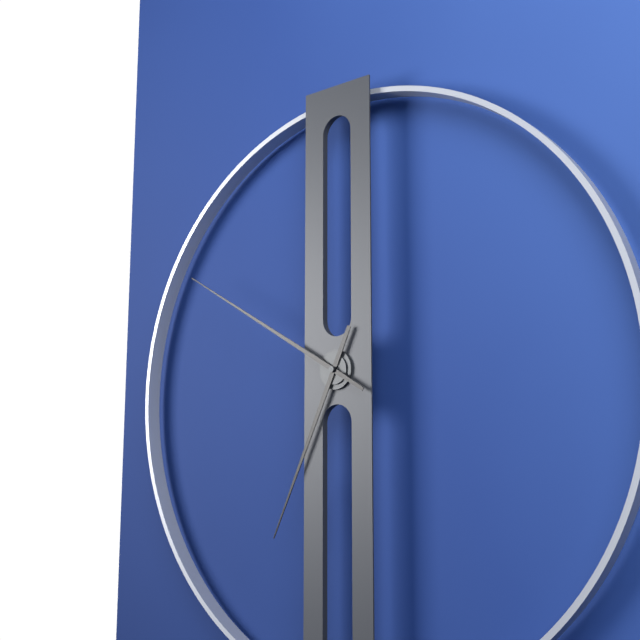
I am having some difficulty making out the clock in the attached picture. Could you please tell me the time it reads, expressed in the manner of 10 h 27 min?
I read 6 h 50 min
